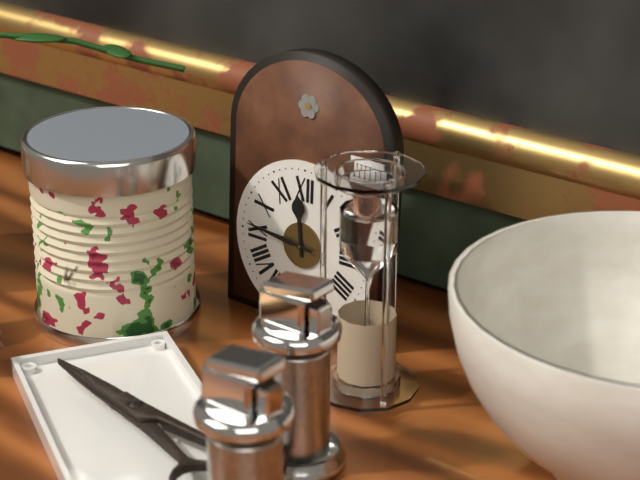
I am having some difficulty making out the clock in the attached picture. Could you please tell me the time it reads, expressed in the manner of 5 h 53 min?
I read 11 h 46 min
